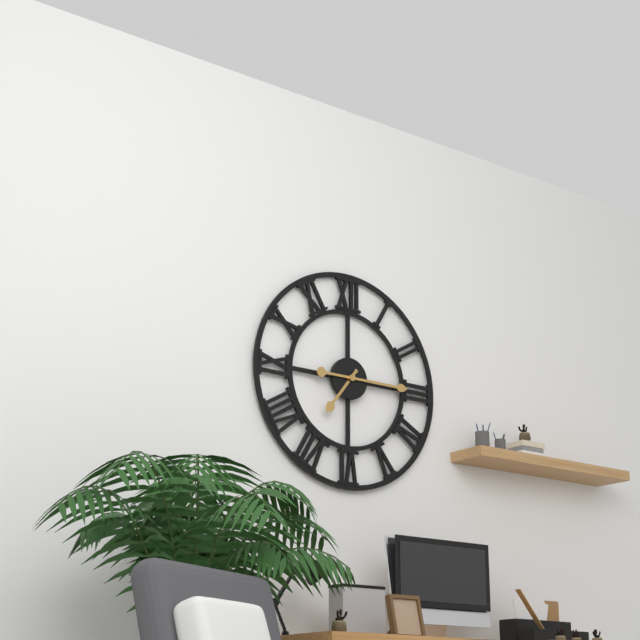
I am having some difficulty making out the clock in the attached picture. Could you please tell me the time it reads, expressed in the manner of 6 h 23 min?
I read 7 h 15 min
